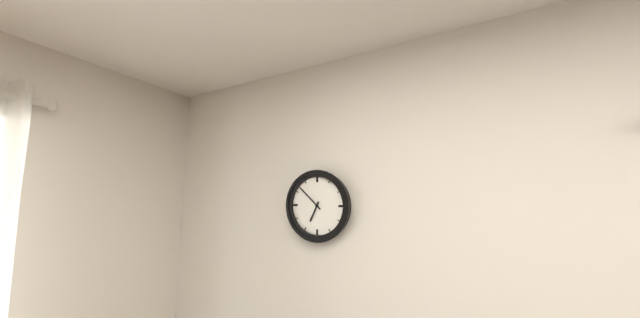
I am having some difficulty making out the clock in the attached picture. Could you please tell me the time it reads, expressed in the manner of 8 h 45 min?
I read 6 h 52 min
